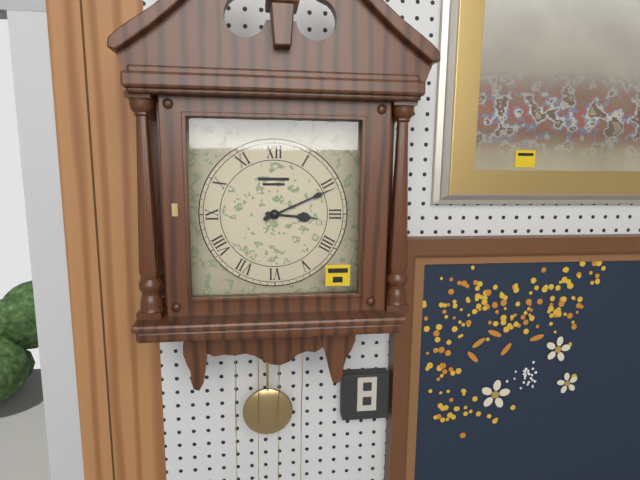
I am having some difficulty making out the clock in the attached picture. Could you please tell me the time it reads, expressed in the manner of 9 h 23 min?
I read 3 h 11 min
